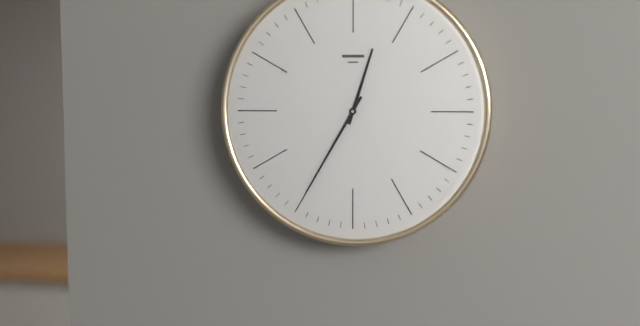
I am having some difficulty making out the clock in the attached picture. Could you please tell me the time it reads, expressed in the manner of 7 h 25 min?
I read 12 h 35 min
